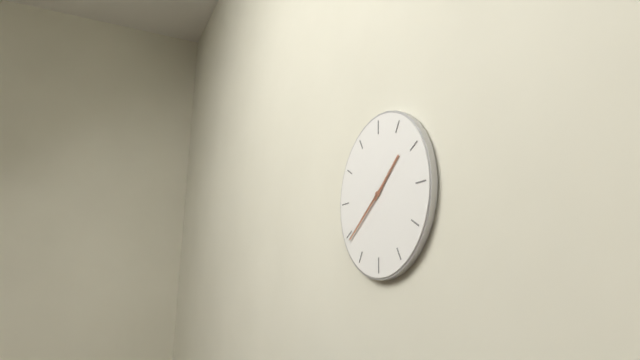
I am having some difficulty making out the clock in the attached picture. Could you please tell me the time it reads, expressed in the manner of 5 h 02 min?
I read 1 h 39 min
